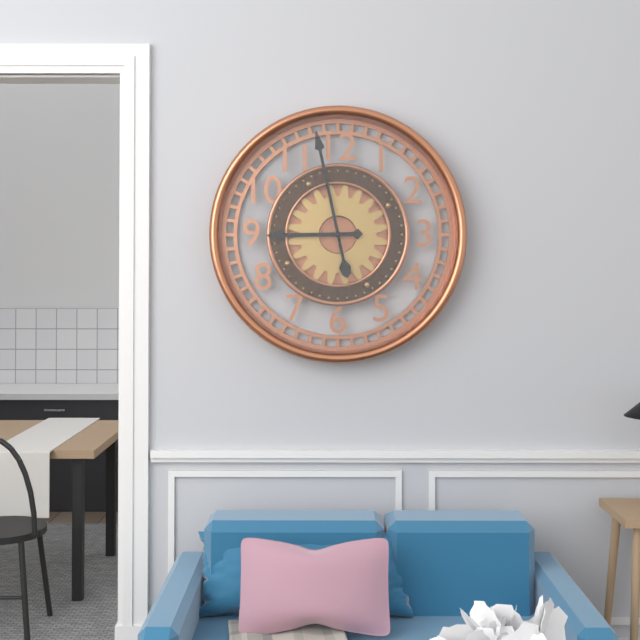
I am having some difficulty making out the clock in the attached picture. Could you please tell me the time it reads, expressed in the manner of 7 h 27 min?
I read 8 h 58 min
